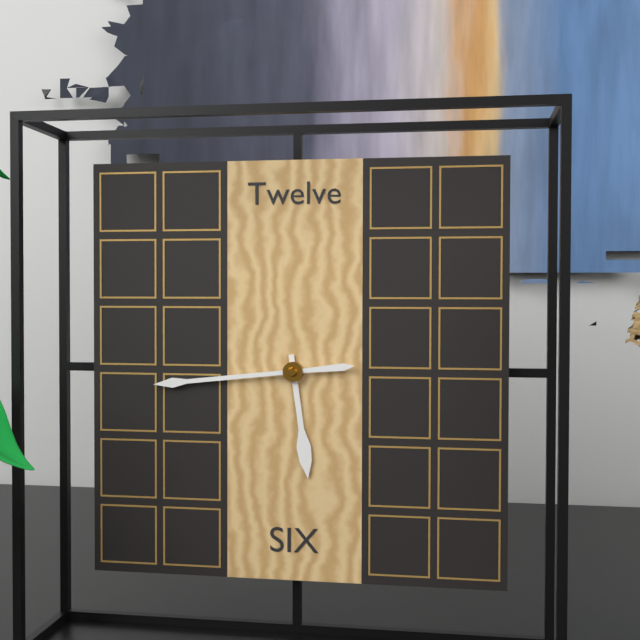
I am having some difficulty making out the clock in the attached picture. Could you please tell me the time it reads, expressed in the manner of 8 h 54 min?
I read 5 h 44 min
